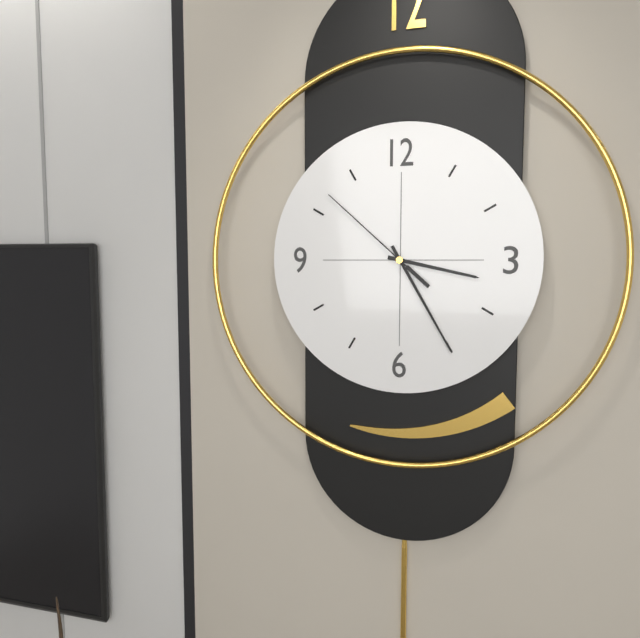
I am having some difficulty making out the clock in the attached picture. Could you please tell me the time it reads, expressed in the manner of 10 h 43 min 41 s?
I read 3 h 25 min 52 s
